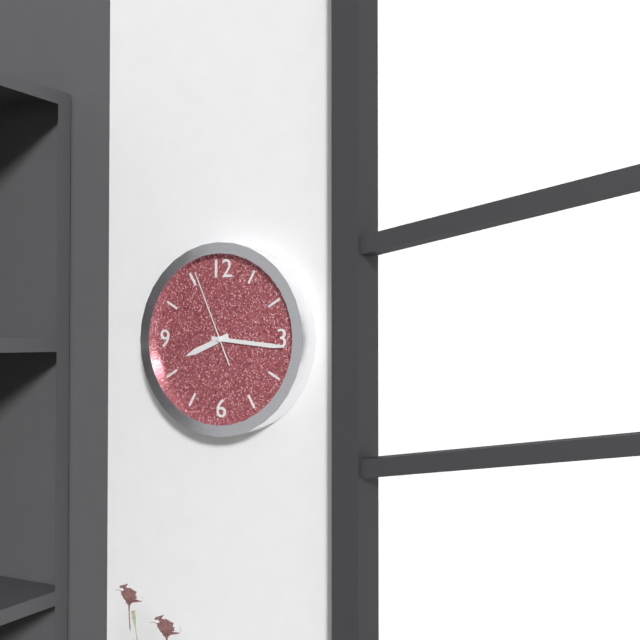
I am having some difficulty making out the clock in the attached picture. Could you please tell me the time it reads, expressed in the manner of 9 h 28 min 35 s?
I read 8 h 16 min 56 s
